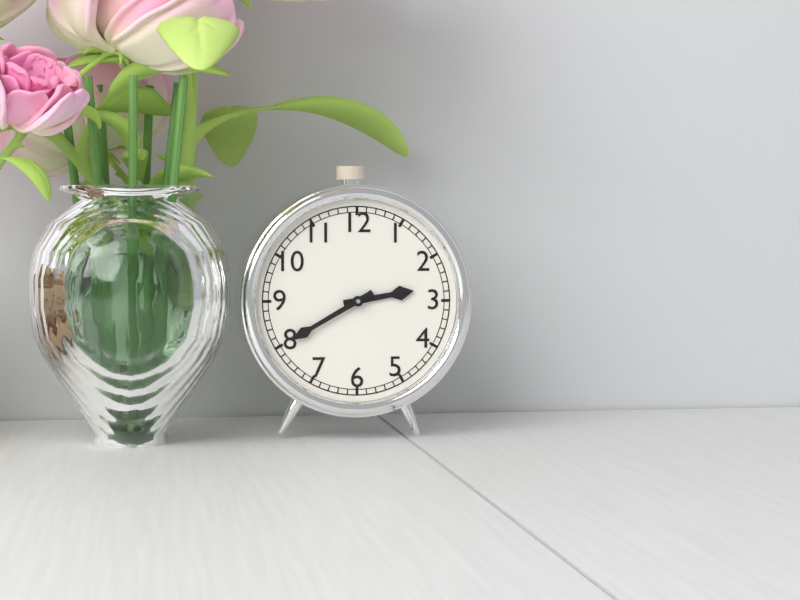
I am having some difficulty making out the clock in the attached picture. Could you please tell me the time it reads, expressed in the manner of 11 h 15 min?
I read 2 h 40 min
